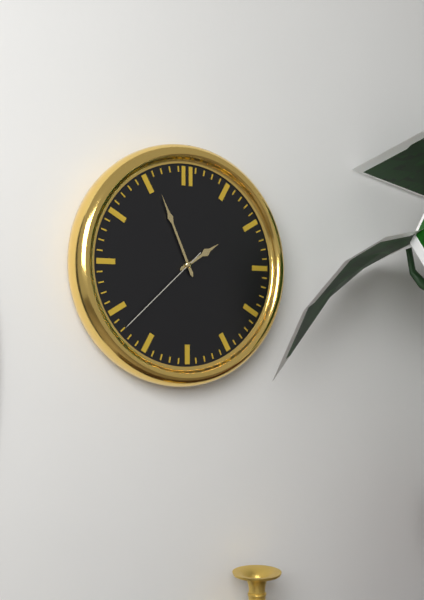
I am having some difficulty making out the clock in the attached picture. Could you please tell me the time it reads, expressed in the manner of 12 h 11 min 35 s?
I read 1 h 56 min 38 s
